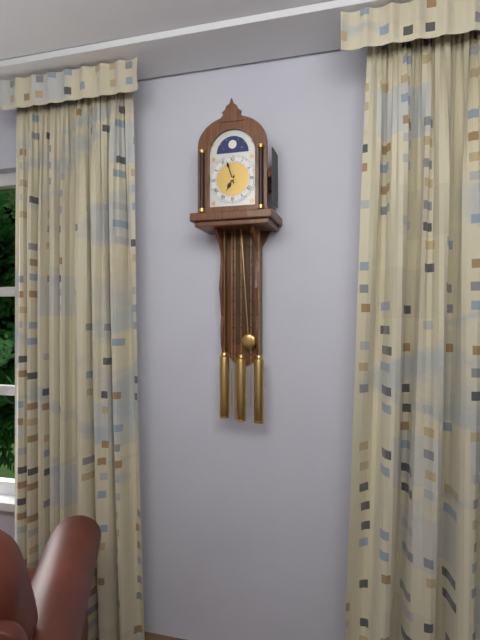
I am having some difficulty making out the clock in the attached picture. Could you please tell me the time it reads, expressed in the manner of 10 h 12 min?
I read 6 h 57 min
